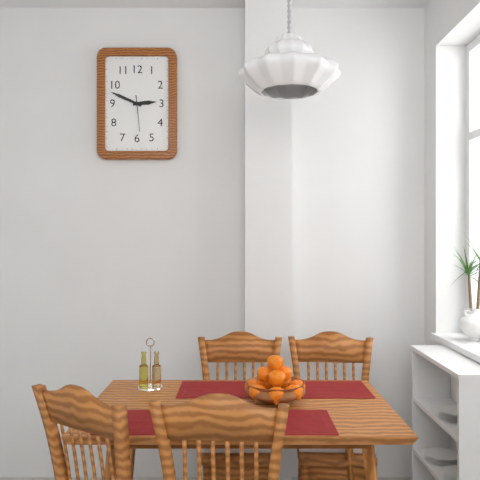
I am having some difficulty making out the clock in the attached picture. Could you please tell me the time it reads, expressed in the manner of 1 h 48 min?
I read 2 h 49 min
